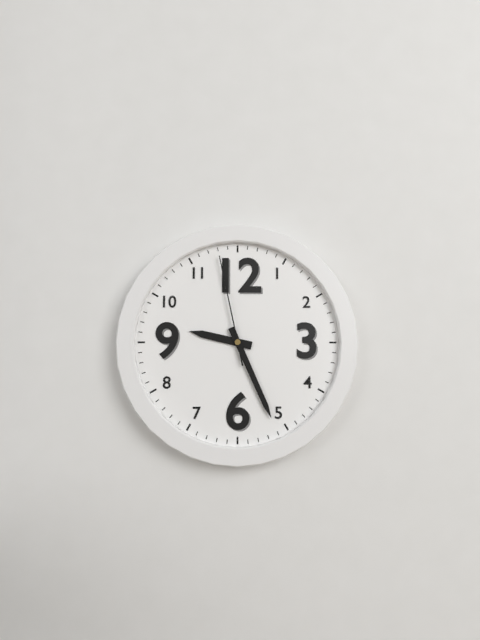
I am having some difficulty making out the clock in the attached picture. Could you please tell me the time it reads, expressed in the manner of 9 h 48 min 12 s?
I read 9 h 26 min 58 s
